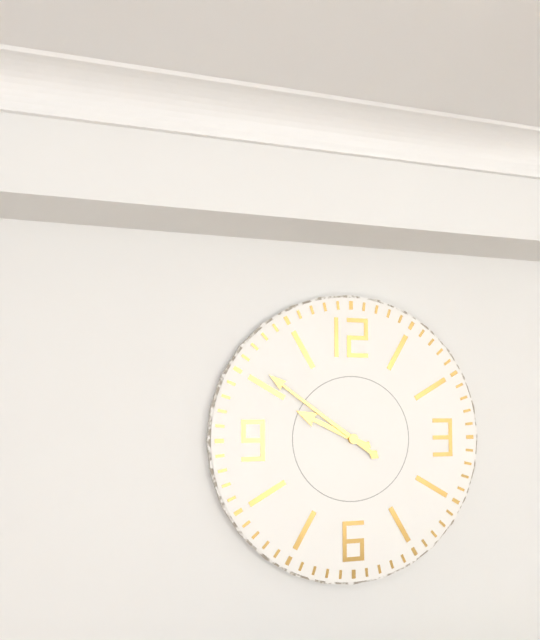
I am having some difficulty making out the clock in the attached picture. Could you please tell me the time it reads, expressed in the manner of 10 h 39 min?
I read 9 h 51 min
